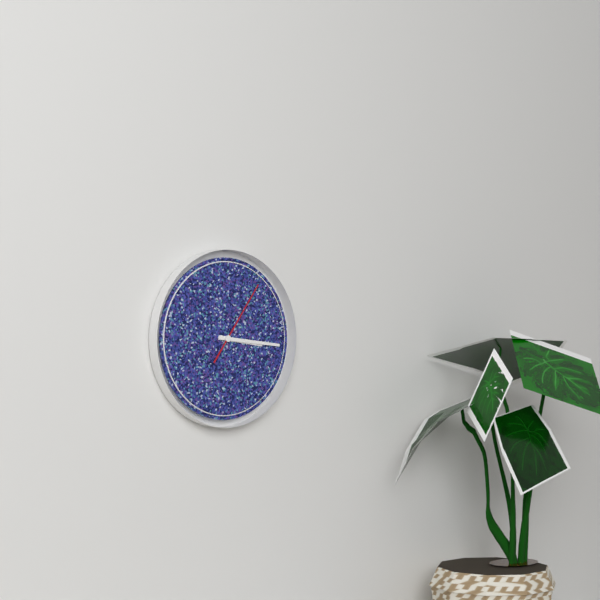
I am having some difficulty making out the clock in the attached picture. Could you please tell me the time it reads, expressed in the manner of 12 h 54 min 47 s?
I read 3 h 16 min 06 s
